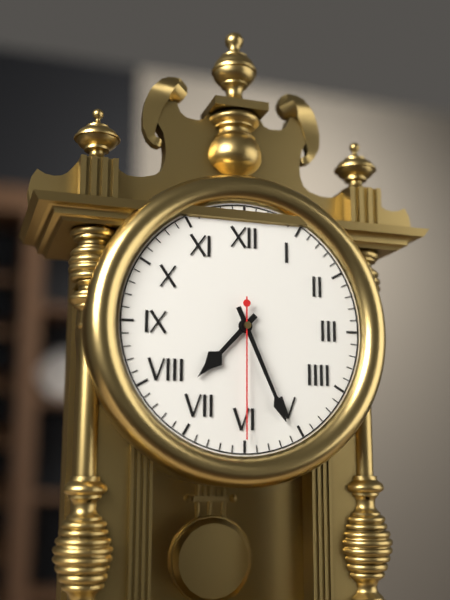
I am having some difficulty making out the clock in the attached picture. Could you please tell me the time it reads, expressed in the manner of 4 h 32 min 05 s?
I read 7 h 26 min 30 s
